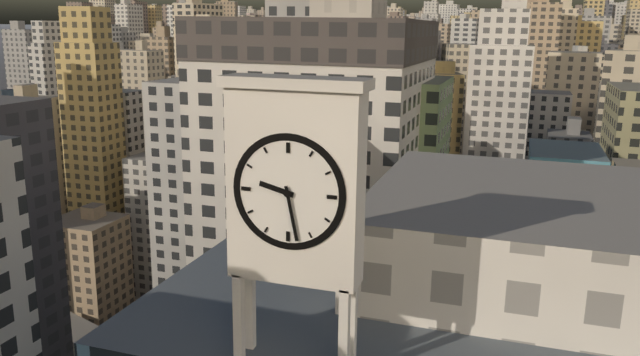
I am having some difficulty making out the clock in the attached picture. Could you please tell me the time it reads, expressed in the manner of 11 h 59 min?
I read 9 h 28 min
